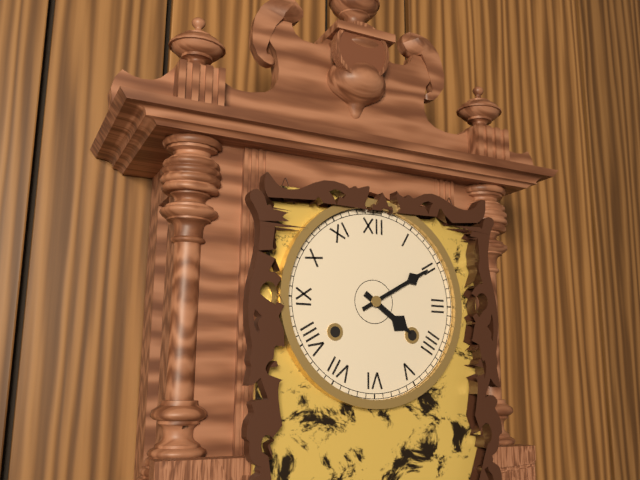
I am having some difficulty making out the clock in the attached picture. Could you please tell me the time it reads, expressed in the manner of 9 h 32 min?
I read 4 h 10 min
